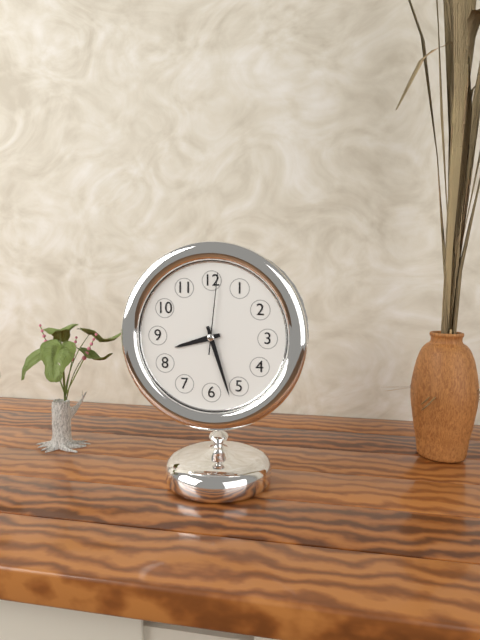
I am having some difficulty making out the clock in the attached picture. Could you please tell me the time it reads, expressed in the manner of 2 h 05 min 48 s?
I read 8 h 27 min 01 s
